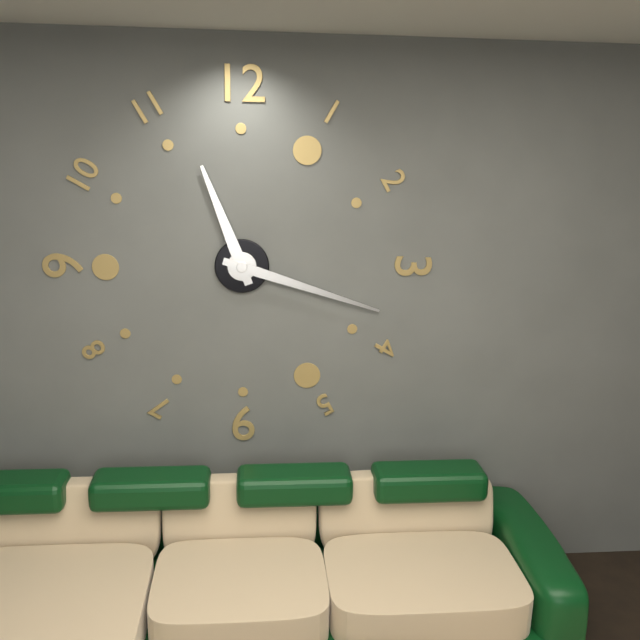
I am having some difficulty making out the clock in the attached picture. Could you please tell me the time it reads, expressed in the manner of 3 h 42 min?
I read 11 h 18 min
